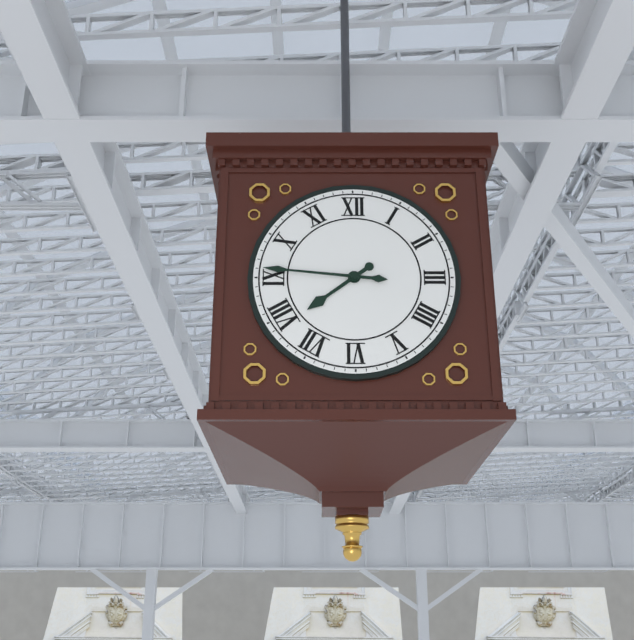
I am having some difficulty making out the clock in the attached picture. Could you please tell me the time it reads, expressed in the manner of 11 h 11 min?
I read 7 h 46 min
